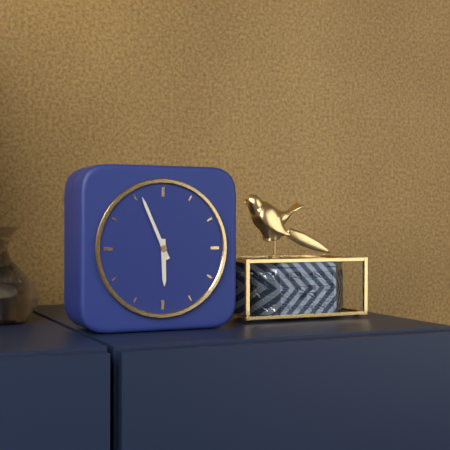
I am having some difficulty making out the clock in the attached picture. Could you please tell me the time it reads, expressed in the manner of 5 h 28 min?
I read 5 h 56 min
